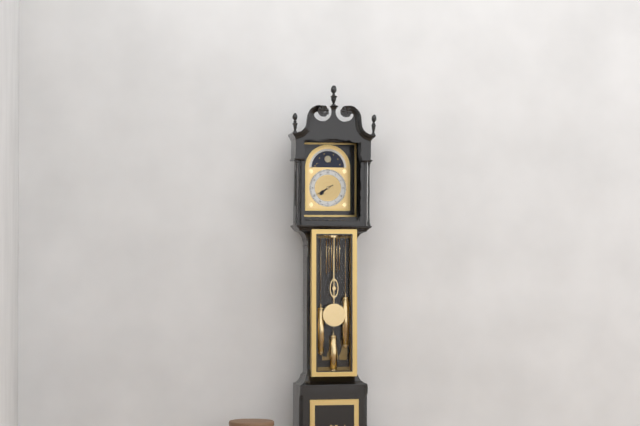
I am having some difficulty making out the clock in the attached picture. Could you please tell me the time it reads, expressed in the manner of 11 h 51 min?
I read 7 h 40 min
